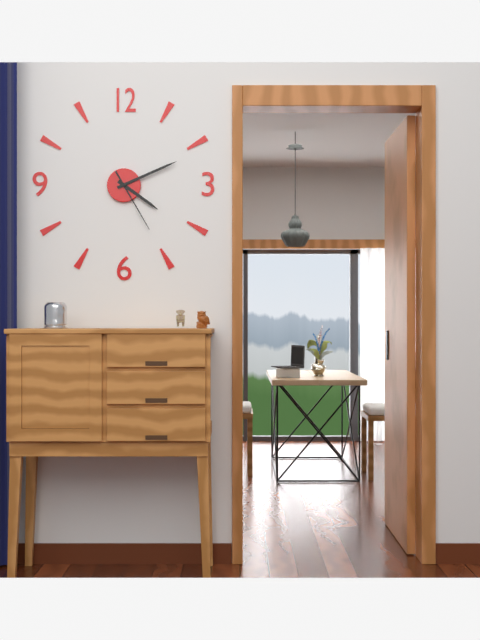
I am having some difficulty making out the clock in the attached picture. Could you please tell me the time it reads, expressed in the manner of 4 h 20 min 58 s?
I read 4 h 11 min 25 s
